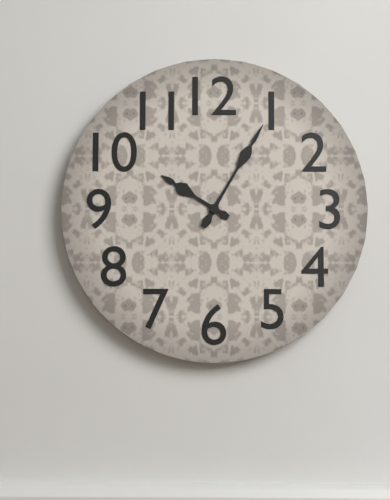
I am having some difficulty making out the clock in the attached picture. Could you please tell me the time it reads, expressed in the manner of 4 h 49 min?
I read 10 h 05 min
